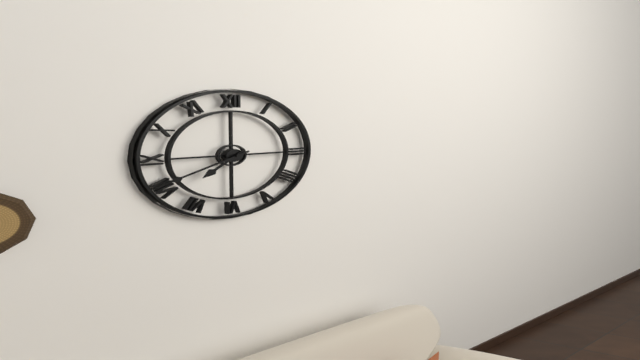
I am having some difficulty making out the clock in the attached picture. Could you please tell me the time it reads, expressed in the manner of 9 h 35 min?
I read 7 h 41 min
